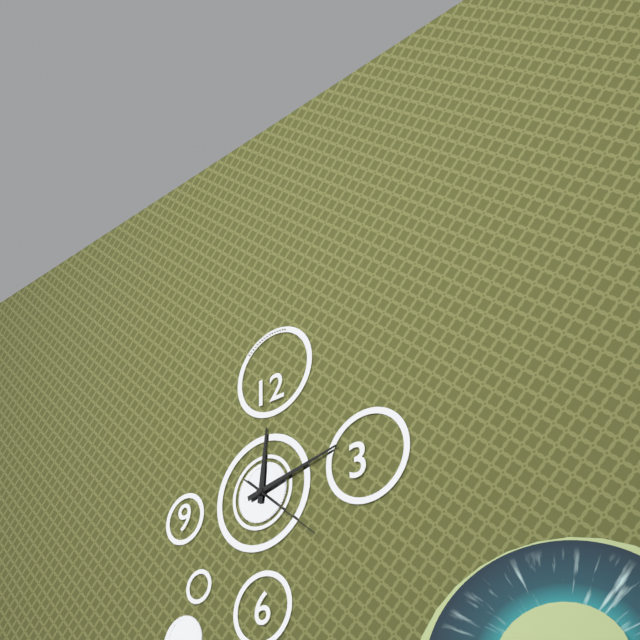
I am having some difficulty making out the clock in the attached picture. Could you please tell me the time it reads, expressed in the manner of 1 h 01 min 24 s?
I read 12 h 13 min 22 s
